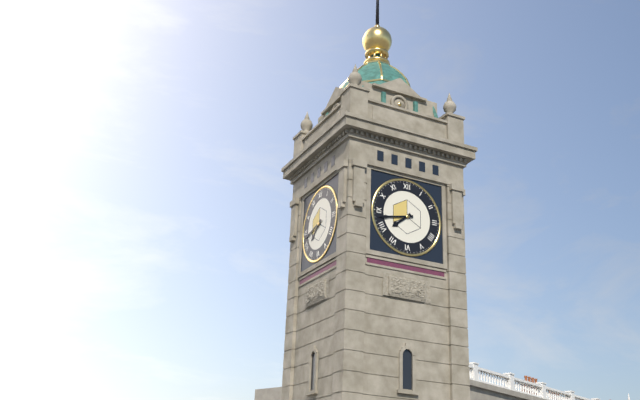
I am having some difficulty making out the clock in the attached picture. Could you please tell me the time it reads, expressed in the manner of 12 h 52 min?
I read 7 h 43 min
